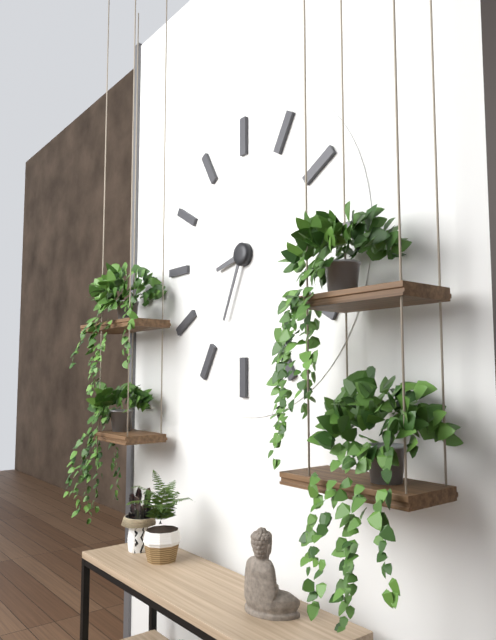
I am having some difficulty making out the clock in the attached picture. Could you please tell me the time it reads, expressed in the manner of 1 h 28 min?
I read 8 h 34 min
